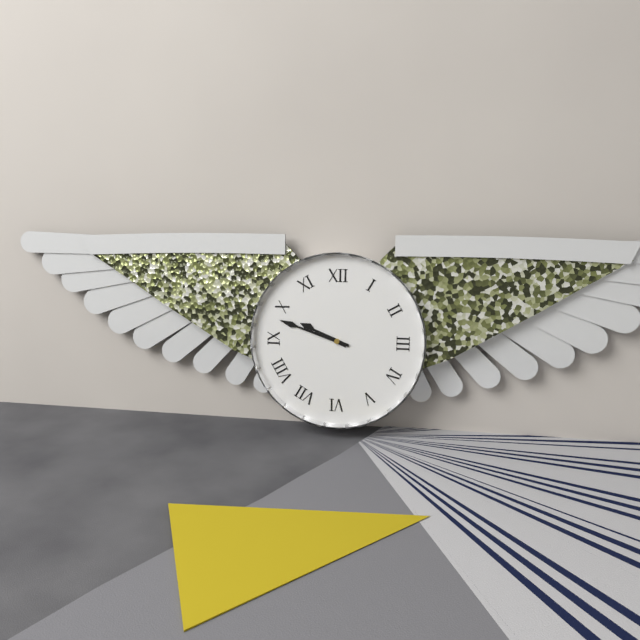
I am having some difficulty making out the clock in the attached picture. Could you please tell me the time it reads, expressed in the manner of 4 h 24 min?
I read 9 h 48 min
